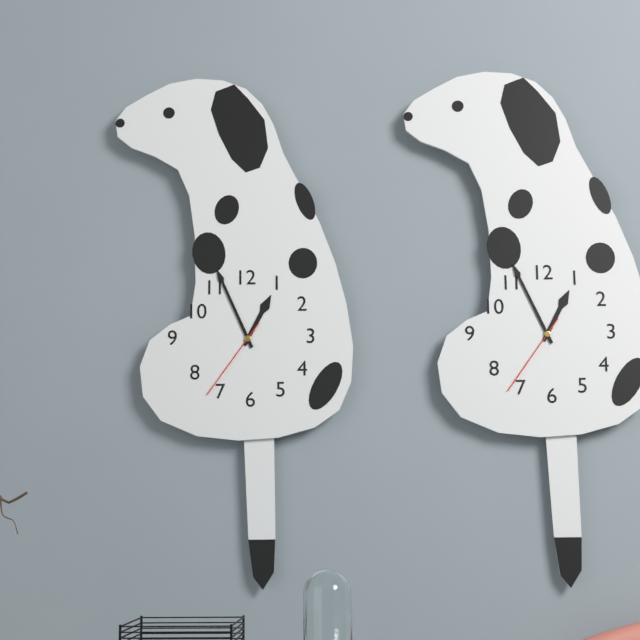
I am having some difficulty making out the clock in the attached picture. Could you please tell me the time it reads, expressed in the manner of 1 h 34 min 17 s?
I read 12 h 56 min 36 s
